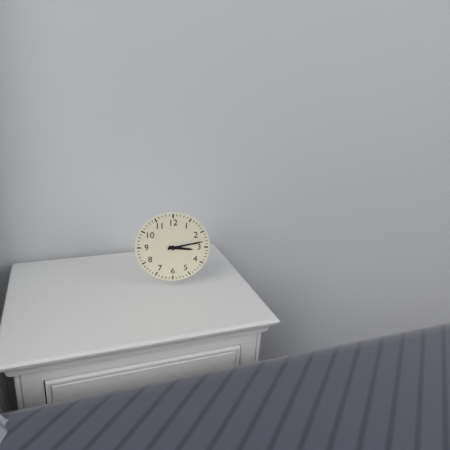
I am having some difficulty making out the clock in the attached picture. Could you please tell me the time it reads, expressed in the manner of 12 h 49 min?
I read 3 h 13 min
